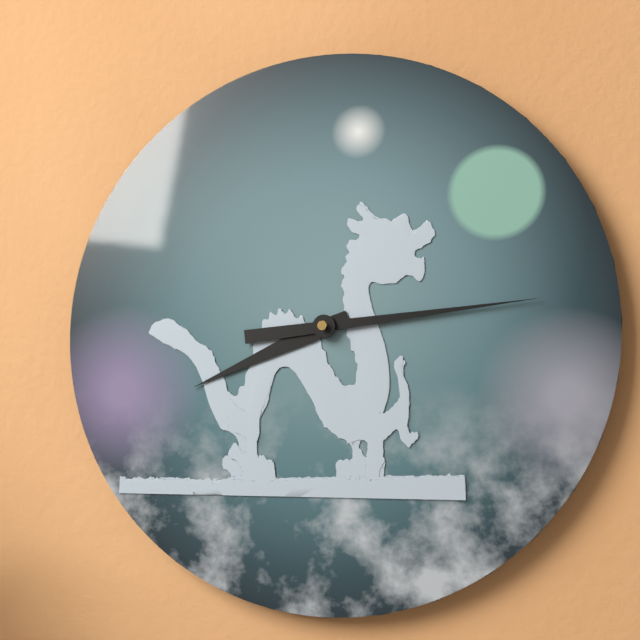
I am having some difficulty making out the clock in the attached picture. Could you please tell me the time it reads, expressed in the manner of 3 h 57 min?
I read 8 h 14 min
